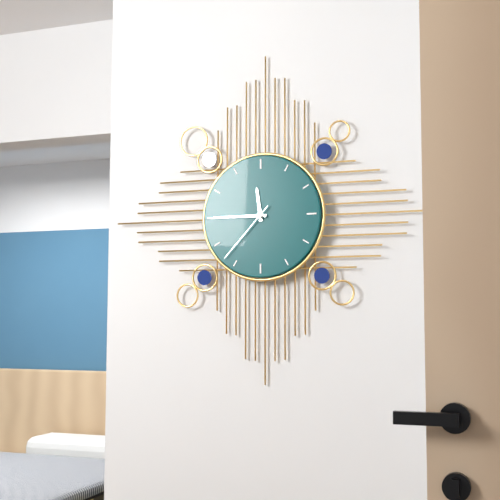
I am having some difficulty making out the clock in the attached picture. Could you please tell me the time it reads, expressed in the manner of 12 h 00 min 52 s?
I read 11 h 45 min 37 s
